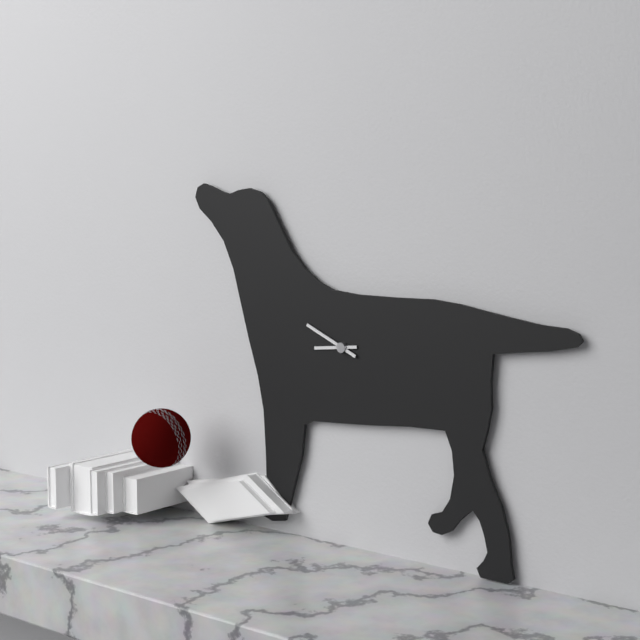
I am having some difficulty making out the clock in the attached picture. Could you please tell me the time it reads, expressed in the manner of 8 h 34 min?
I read 8 h 49 min
